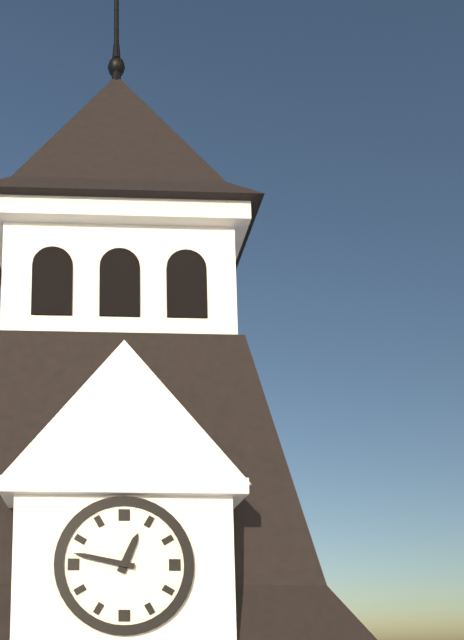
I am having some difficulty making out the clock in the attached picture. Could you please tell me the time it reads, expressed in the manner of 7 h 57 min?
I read 12 h 47 min
